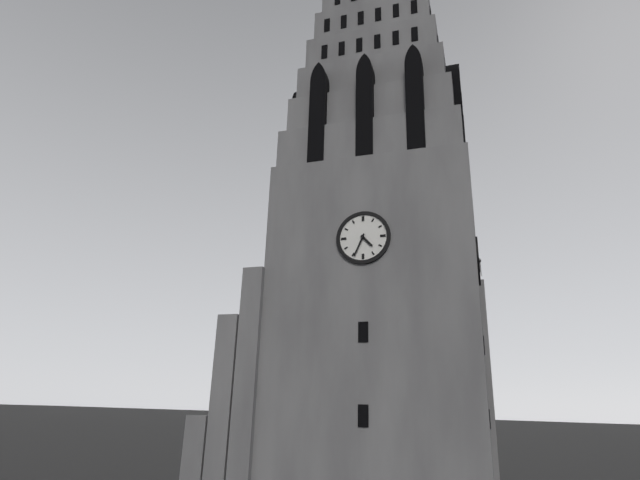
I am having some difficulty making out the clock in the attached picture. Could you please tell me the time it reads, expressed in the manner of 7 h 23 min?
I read 4 h 34 min
